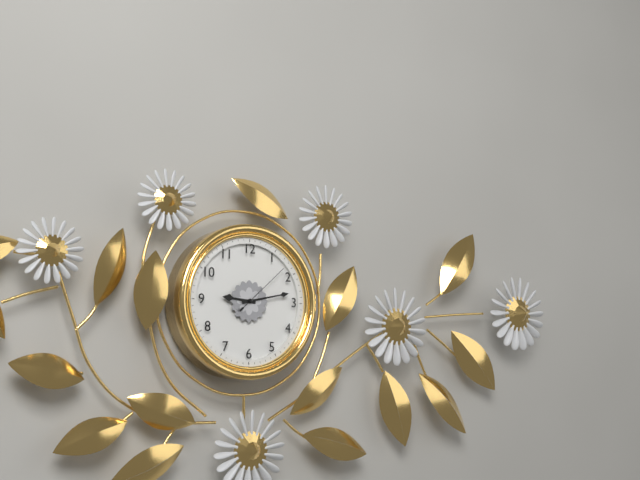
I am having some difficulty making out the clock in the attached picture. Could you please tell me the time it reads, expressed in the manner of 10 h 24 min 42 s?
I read 9 h 13 min 08 s
